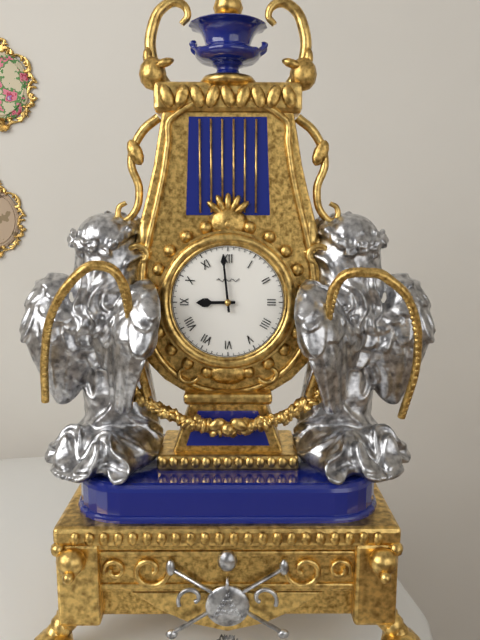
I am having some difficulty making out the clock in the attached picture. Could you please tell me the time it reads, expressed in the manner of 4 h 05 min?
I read 8 h 59 min
